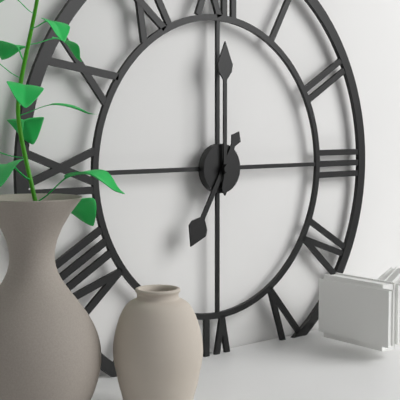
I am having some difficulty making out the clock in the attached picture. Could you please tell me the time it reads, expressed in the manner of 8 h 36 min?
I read 7 h 00 min
